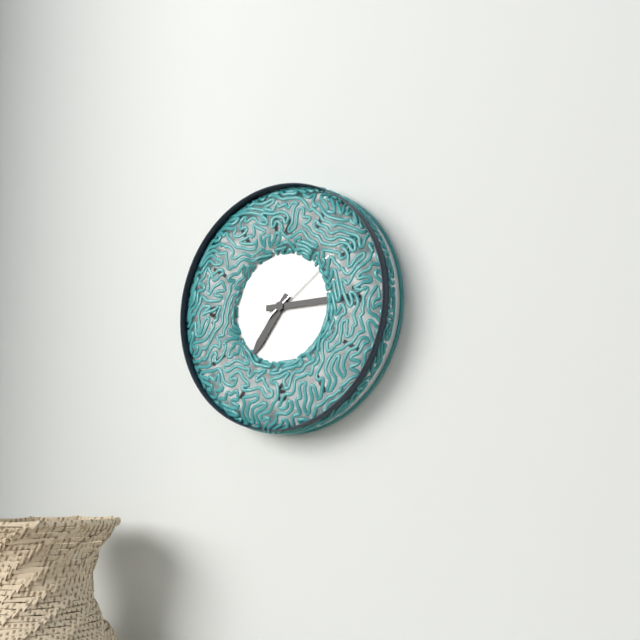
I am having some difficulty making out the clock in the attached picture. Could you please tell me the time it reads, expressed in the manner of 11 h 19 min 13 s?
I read 7 h 15 min 09 s
